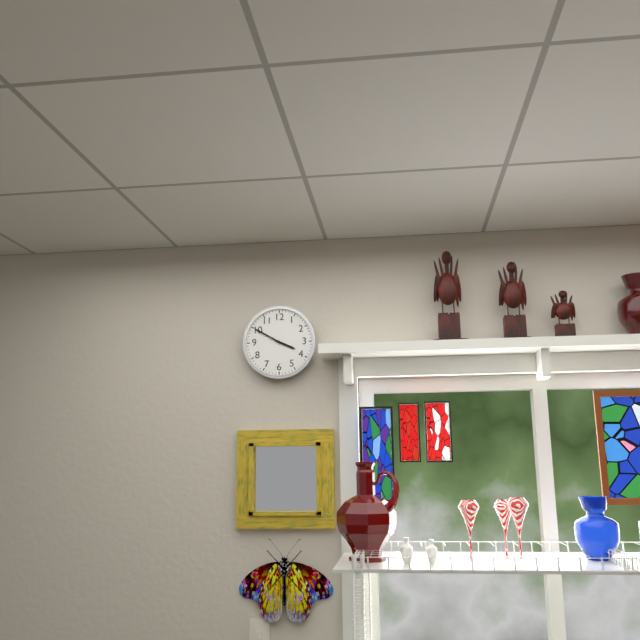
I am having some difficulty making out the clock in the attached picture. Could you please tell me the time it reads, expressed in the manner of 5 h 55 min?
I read 3 h 50 min
